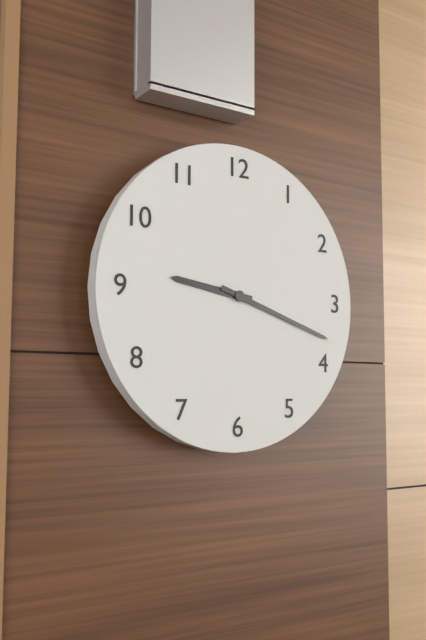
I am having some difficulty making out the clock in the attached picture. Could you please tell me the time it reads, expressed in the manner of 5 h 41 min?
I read 9 h 18 min
